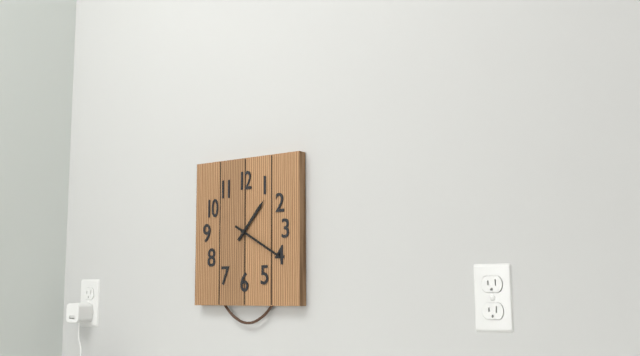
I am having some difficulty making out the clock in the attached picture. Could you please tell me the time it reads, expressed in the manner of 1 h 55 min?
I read 1 h 20 min
